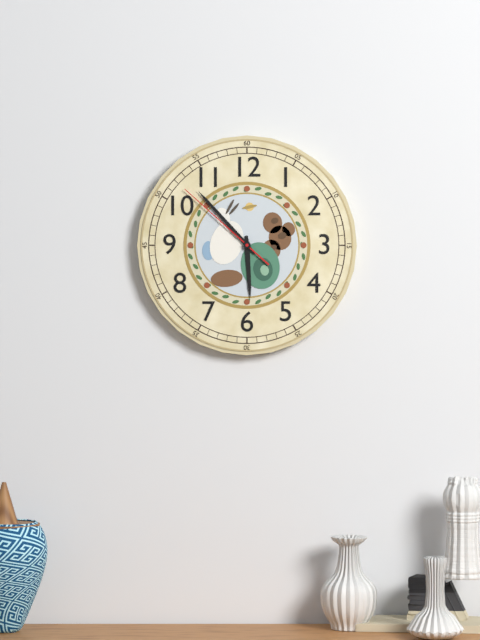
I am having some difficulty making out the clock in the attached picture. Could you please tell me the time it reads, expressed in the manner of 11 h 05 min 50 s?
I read 5 h 53 min 52 s
